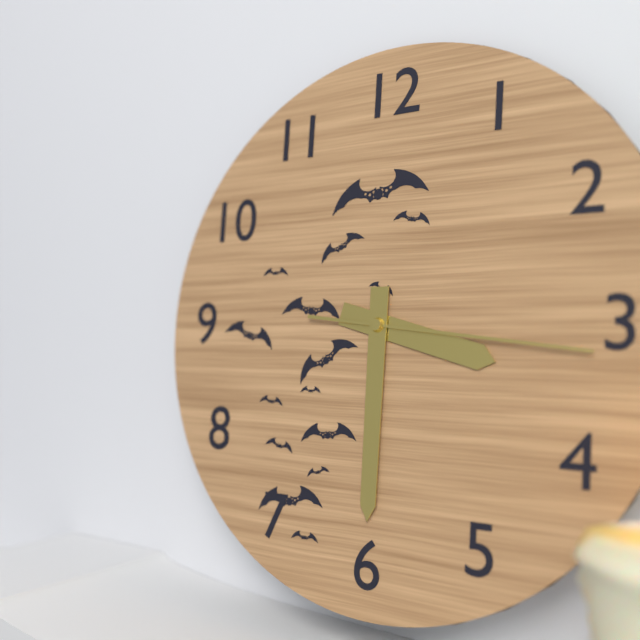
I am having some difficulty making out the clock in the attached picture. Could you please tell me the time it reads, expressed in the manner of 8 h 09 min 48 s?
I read 3 h 30 min 16 s
